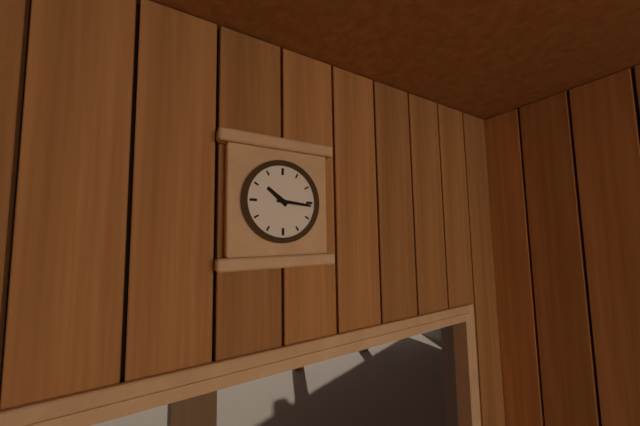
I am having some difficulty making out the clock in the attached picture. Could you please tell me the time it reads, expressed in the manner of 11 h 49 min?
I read 10 h 16 min
